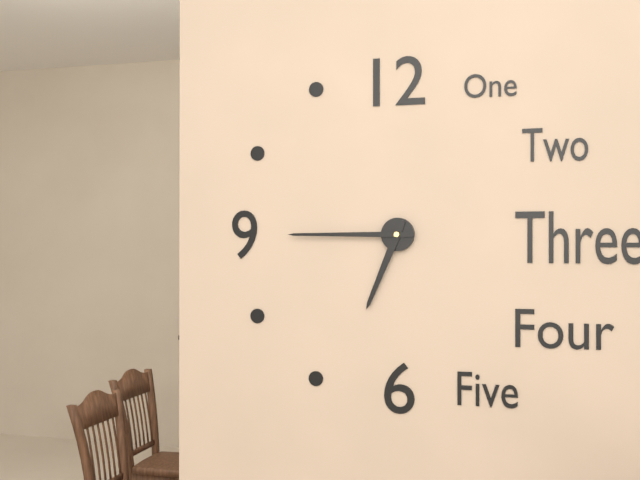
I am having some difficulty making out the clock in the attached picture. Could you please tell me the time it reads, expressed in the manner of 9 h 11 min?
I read 6 h 45 min
